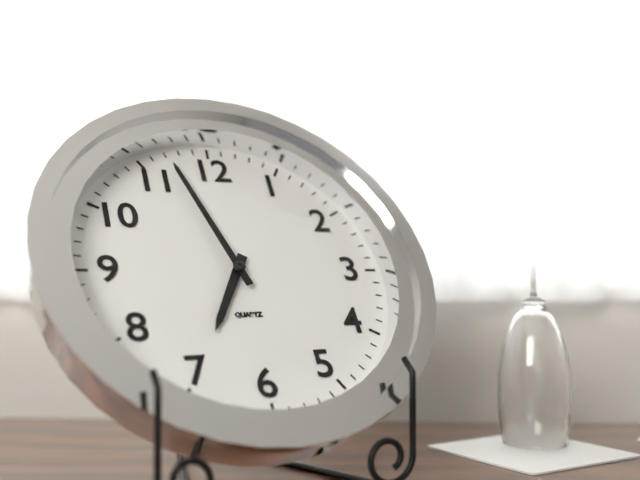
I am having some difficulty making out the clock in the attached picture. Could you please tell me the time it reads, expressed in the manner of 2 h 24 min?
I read 6 h 57 min
